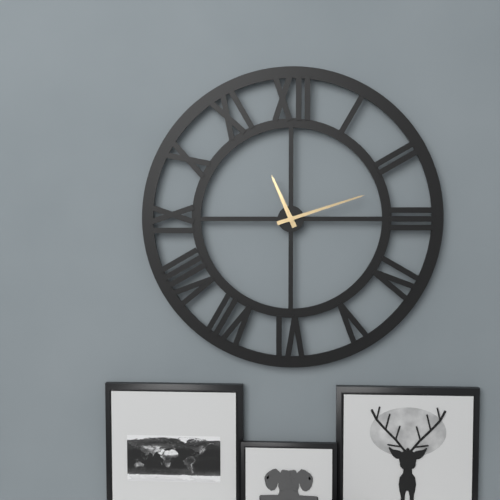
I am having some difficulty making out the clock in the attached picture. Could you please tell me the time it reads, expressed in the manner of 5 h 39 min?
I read 11 h 12 min
